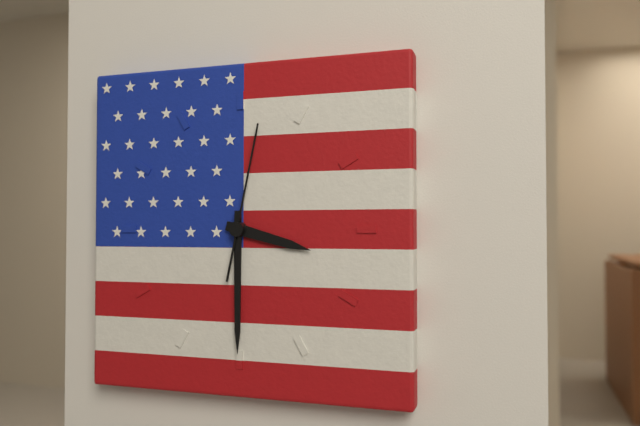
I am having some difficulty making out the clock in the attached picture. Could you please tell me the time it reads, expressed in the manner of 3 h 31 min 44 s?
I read 3 h 30 min 02 s
